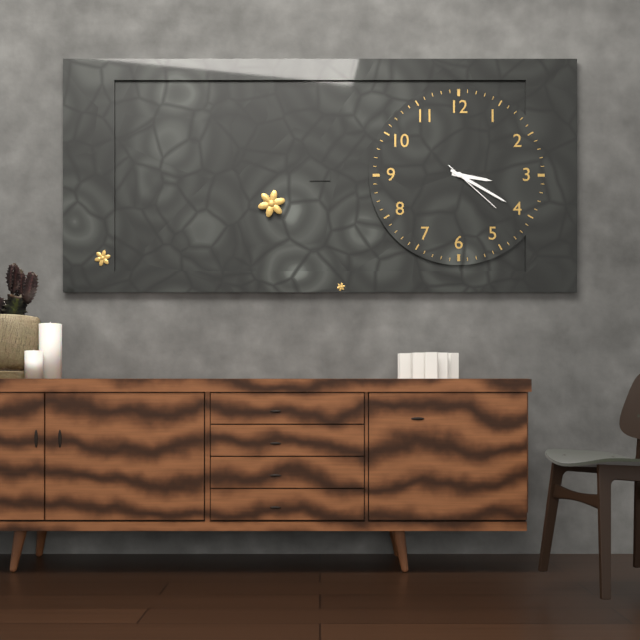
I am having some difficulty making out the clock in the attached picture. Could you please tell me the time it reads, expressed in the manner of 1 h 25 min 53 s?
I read 3 h 20 min 22 s
